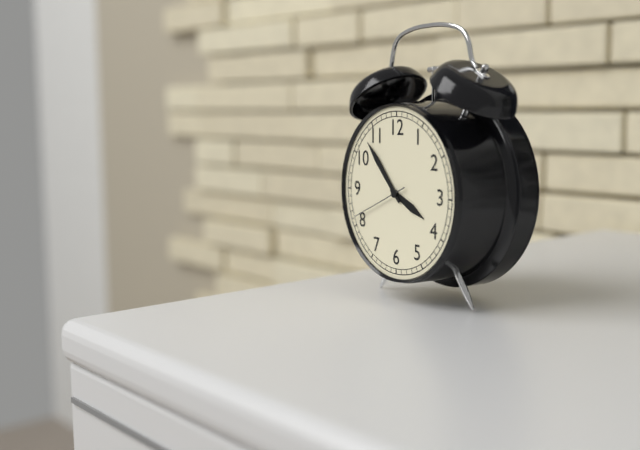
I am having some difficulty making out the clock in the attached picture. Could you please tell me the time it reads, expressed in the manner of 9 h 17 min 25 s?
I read 3 h 53 min 41 s
